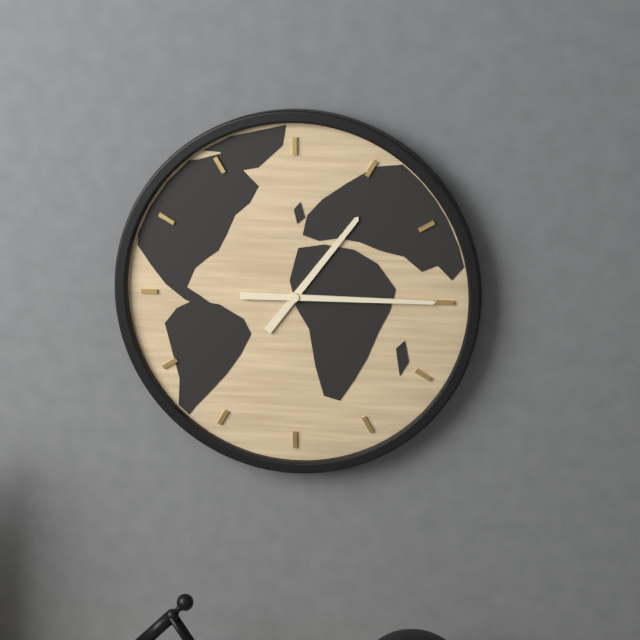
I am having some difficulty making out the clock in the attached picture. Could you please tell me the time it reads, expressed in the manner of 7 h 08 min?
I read 1 h 15 min
